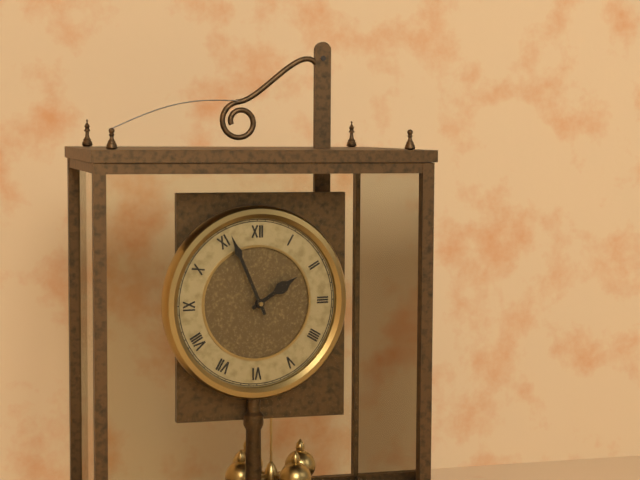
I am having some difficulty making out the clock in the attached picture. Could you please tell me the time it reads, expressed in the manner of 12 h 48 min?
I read 1 h 56 min
